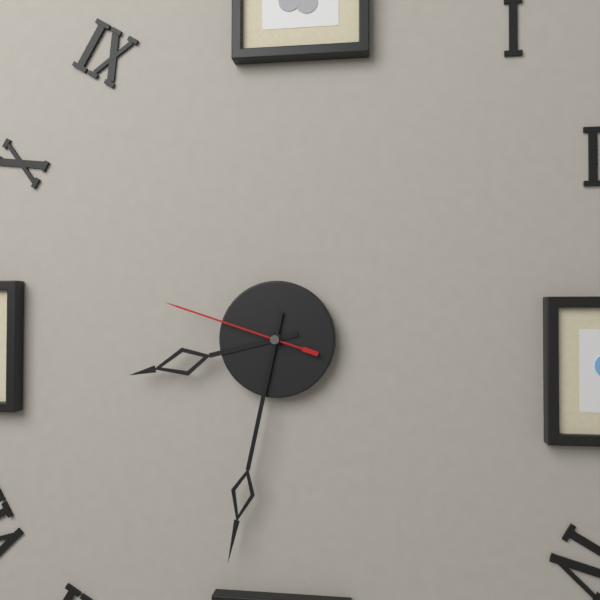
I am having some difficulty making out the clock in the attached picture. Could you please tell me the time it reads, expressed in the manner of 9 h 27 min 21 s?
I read 8 h 32 min 48 s
